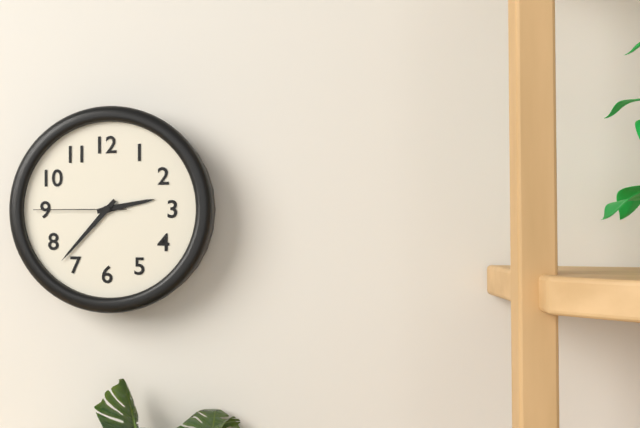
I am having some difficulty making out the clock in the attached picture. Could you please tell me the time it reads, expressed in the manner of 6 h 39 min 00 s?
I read 2 h 37 min 45 s
